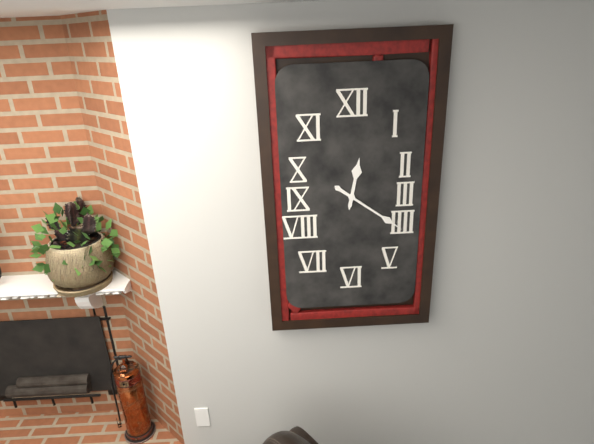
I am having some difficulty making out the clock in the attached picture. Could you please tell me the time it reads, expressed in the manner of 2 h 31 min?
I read 12 h 21 min
